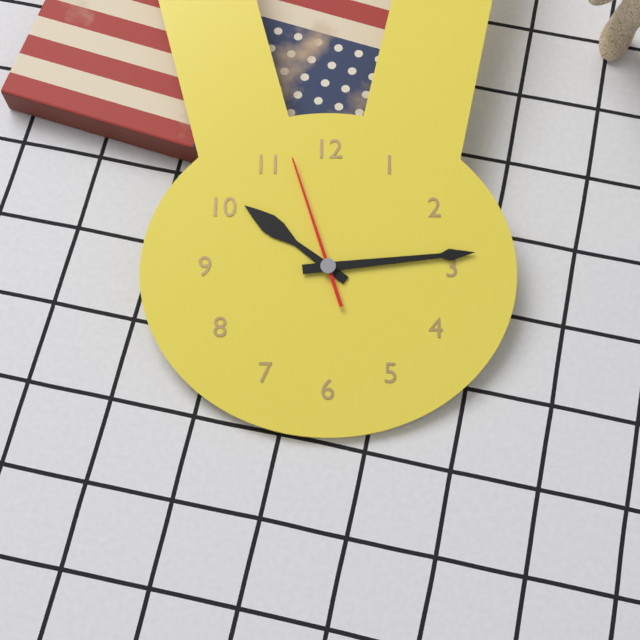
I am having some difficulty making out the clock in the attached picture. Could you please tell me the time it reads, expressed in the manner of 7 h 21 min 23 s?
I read 10 h 14 min 57 s
